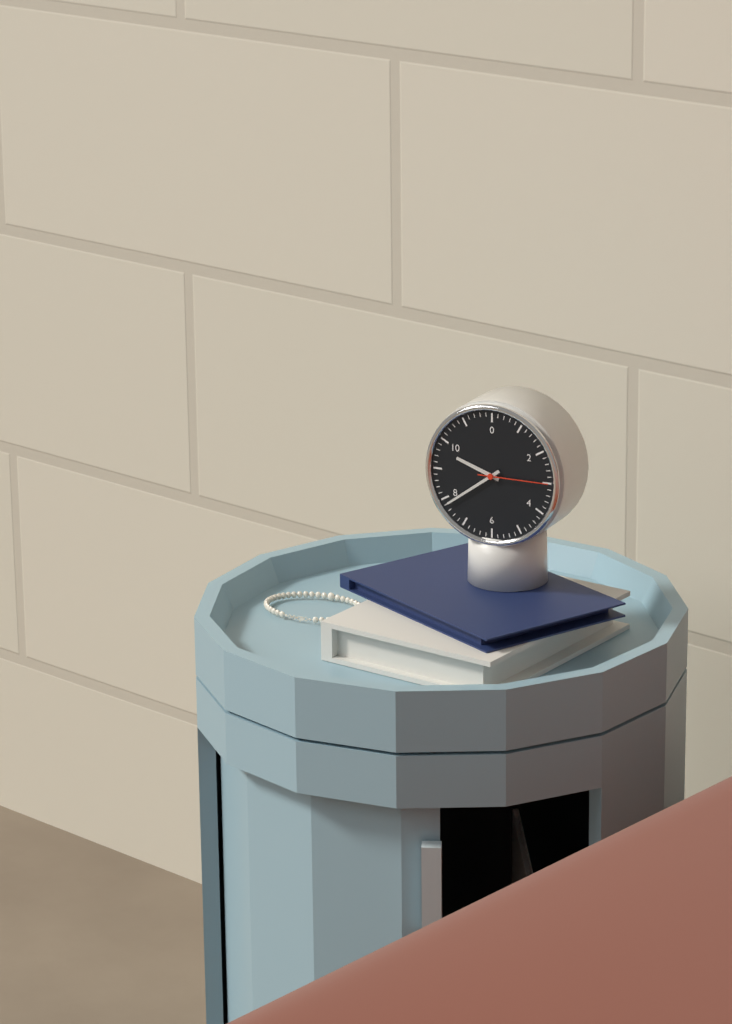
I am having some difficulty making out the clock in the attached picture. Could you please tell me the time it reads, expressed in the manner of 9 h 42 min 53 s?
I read 9 h 39 min 15 s
